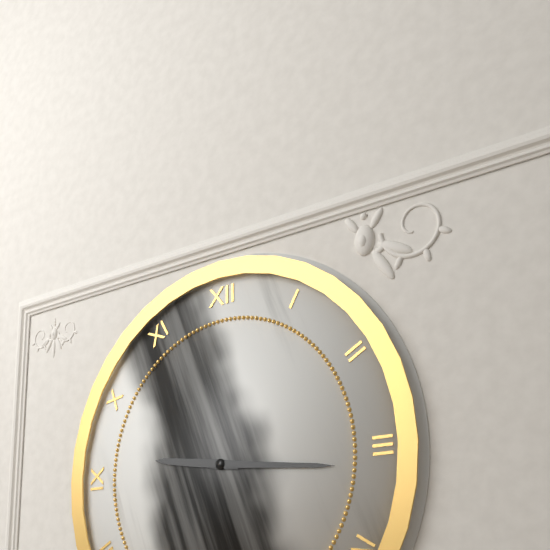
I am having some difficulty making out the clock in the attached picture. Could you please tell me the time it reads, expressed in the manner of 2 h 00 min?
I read 9 h 16 min
